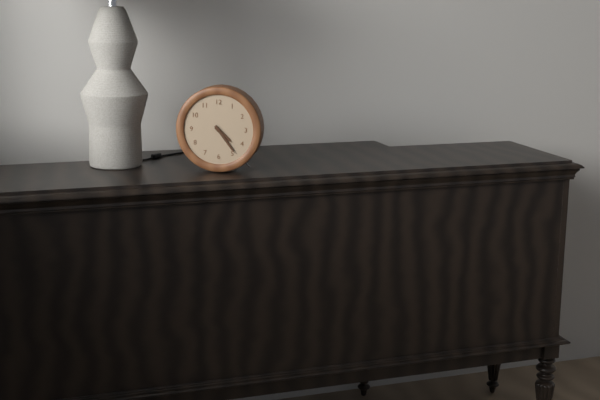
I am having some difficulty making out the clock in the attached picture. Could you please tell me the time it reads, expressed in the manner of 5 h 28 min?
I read 4 h 24 min
